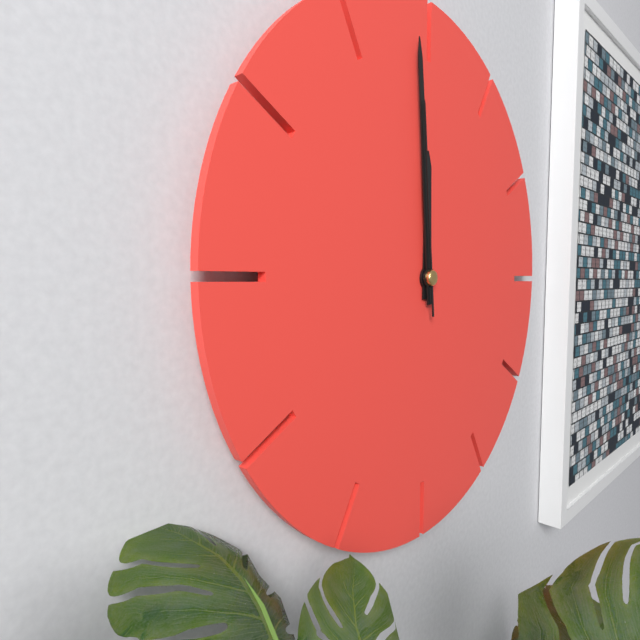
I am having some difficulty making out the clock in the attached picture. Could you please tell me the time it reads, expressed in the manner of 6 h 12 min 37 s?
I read 11 h 59 min 59 s
